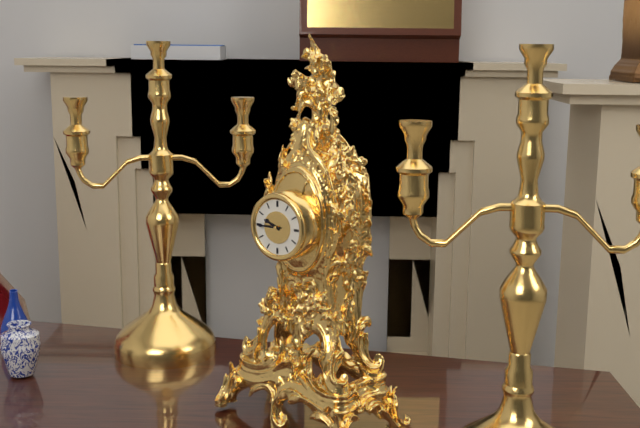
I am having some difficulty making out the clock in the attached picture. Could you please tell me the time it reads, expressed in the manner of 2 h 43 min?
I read 9 h 45 min
